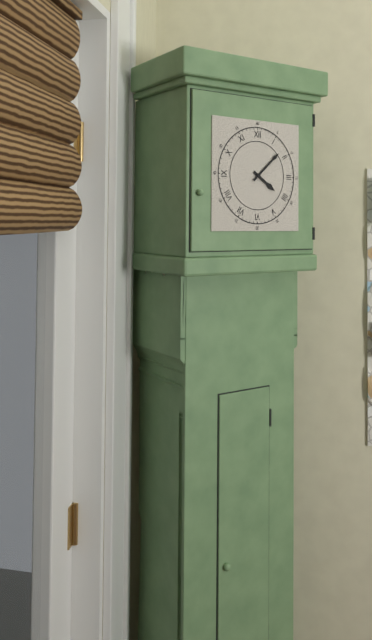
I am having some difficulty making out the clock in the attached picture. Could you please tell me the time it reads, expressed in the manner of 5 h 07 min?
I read 4 h 08 min
